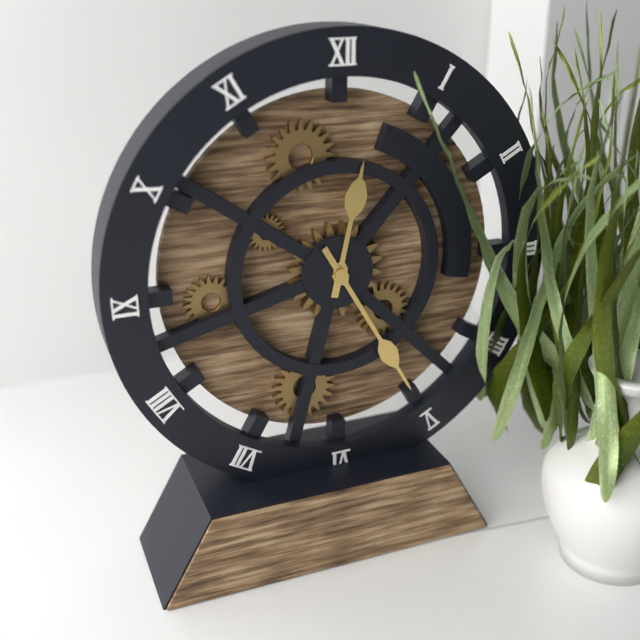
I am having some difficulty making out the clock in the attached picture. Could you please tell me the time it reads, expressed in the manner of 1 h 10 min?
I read 12 h 25 min
